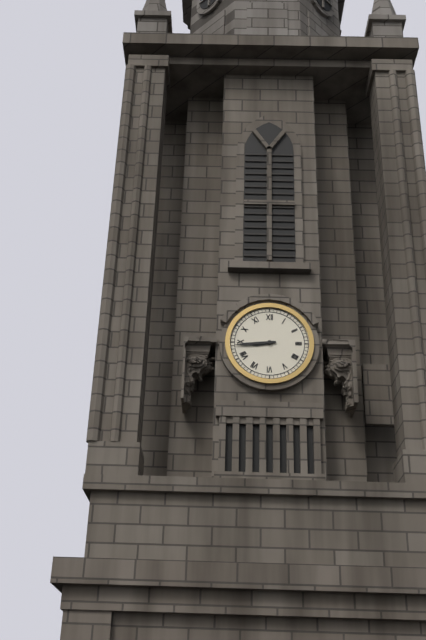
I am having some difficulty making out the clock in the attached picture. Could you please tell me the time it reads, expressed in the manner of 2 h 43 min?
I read 8 h 44 min
